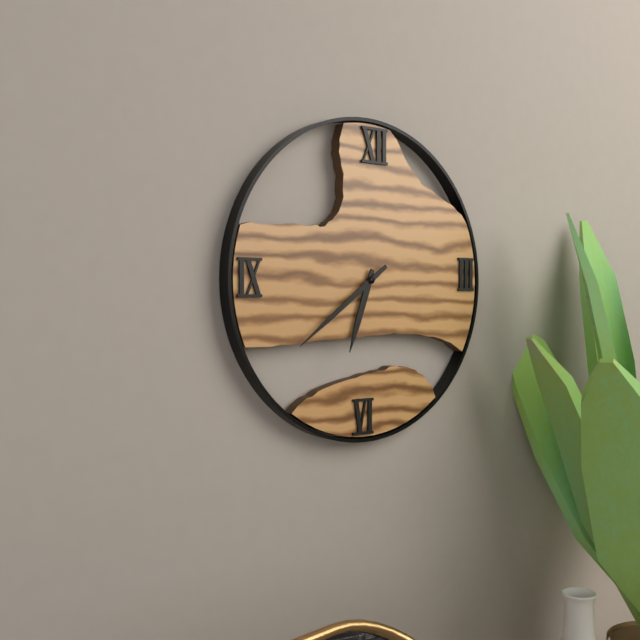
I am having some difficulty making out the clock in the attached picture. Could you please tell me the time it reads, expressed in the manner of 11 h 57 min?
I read 6 h 39 min
